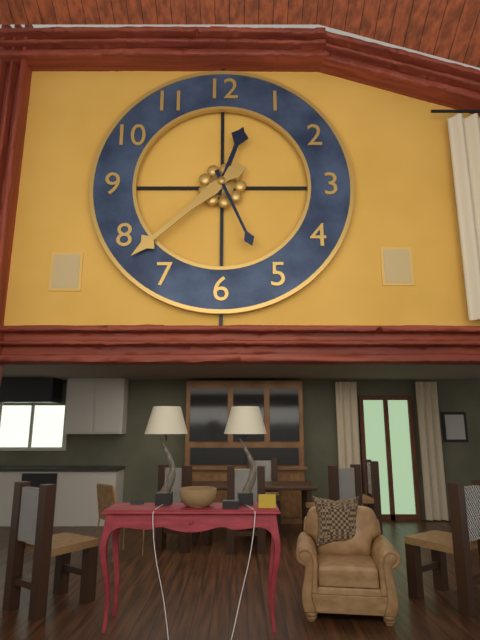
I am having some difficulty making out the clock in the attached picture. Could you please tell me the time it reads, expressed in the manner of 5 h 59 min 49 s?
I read 12 h 38 min 26 s
